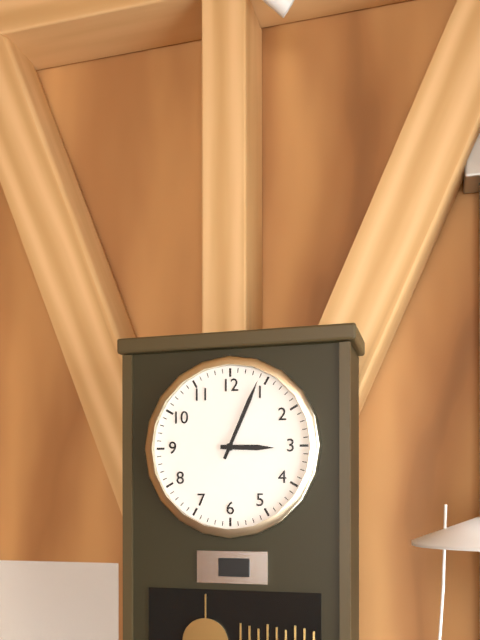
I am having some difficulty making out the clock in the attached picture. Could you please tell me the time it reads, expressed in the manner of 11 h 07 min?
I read 3 h 04 min
